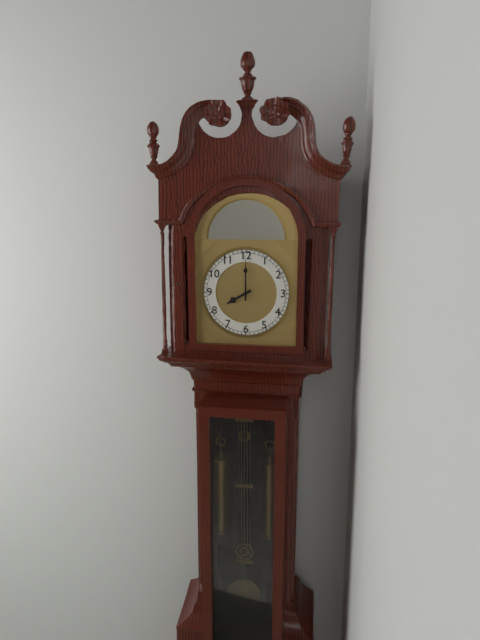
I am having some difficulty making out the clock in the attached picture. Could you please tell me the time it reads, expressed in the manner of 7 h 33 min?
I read 8 h 00 min
